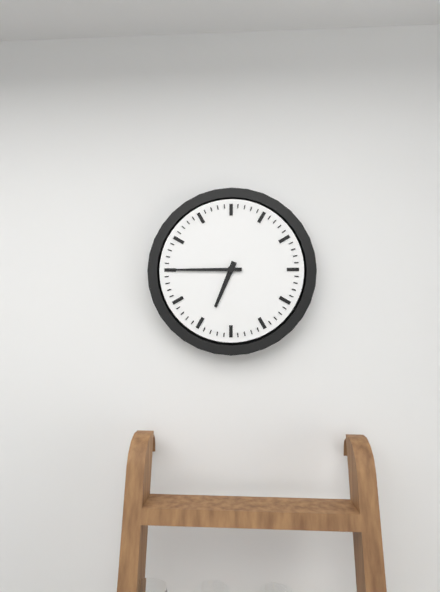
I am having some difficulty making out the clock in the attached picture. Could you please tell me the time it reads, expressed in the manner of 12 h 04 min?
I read 6 h 45 min
